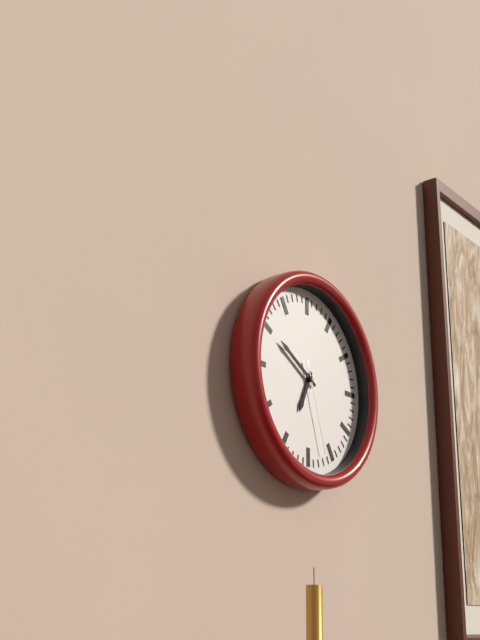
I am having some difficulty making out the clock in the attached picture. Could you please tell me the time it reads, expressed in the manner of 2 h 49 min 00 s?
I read 6 h 50 min 27 s
